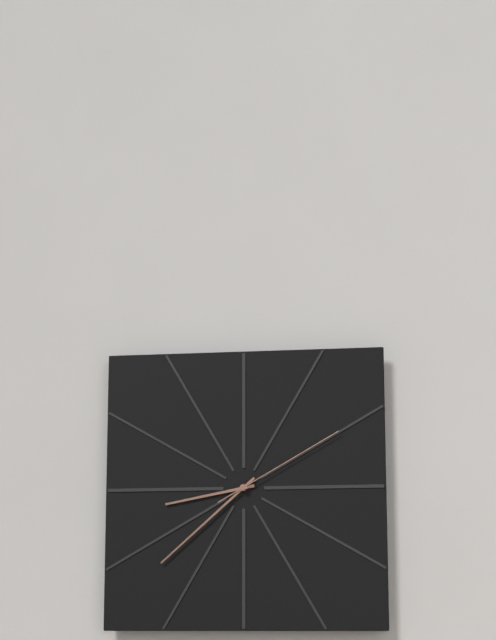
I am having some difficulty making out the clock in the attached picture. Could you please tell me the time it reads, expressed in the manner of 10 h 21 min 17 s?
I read 8 h 38 min 10 s
